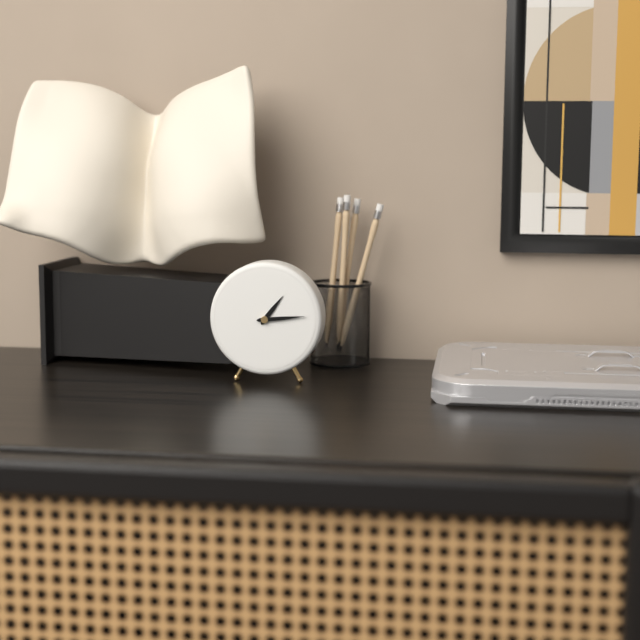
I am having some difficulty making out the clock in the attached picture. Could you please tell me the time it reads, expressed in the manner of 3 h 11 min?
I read 1 h 14 min
